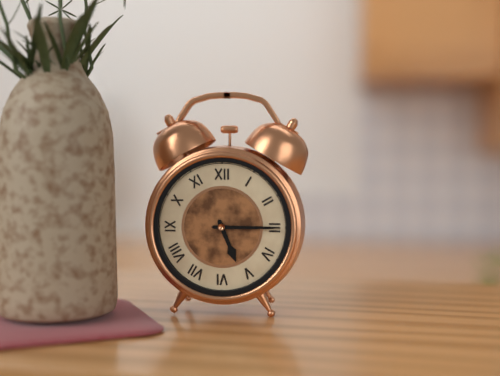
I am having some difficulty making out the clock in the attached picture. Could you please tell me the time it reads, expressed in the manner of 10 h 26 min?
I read 5 h 15 min
